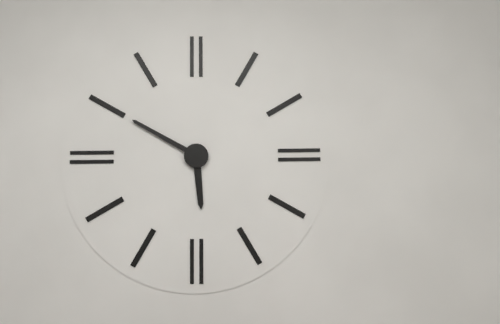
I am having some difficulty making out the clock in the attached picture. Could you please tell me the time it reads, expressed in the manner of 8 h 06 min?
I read 5 h 50 min
